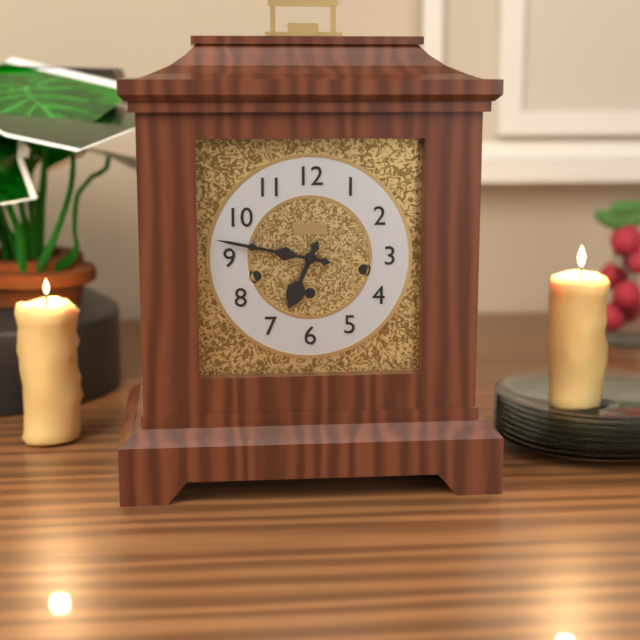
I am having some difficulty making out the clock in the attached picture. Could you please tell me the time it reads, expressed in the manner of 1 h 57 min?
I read 6 h 47 min
